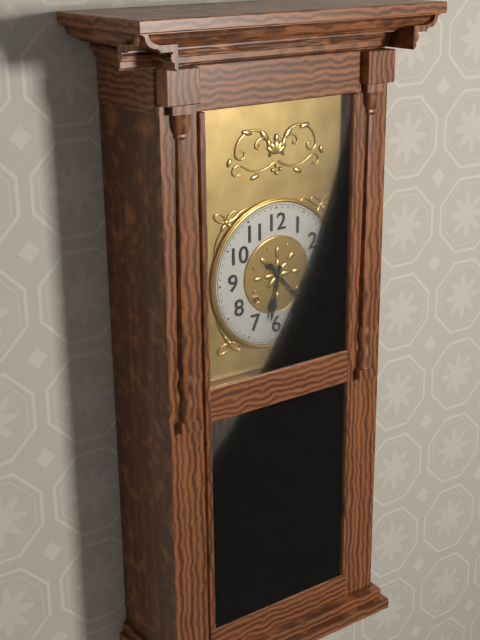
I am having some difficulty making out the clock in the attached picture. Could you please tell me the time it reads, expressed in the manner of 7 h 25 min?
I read 6 h 23 min
